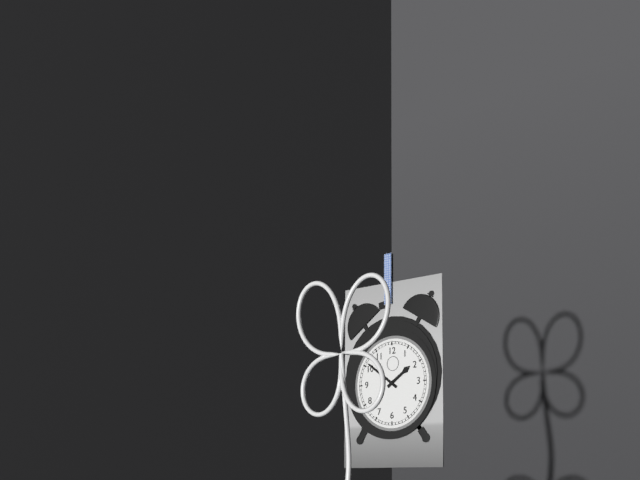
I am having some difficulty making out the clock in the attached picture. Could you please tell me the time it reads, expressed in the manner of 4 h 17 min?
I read 1 h 51 min
